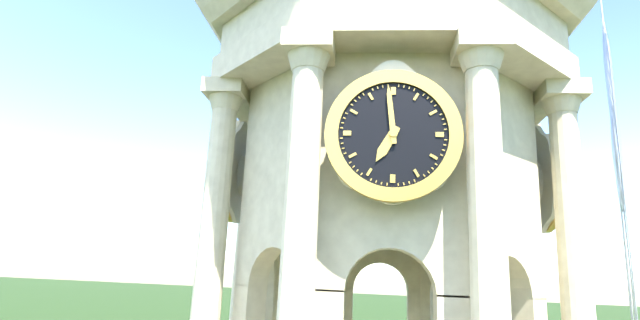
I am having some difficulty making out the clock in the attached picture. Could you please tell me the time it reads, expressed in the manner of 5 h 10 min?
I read 6 h 59 min
